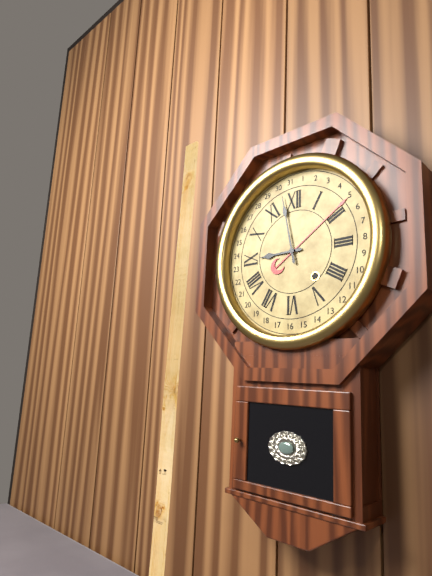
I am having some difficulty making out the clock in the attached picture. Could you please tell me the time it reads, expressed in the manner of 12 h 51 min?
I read 8 h 58 min
